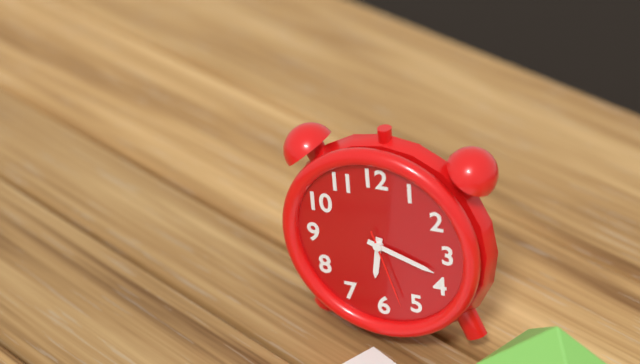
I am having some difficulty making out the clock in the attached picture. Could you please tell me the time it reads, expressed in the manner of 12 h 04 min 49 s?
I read 6 h 18 min 27 s
